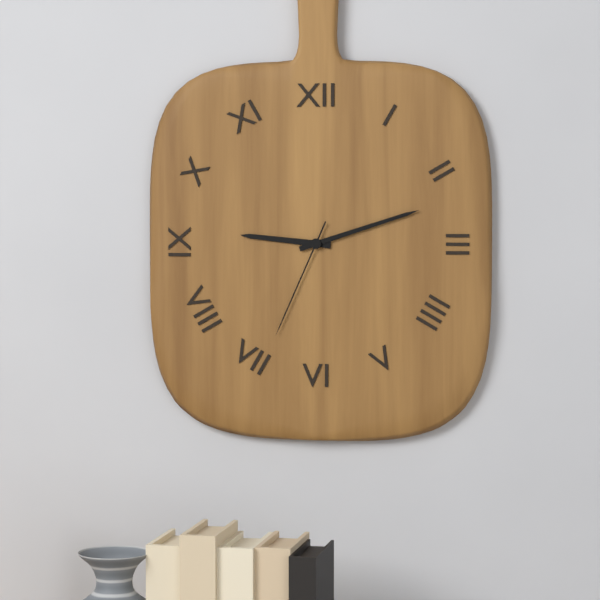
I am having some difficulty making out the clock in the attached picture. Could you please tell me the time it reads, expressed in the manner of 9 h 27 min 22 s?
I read 9 h 12 min 34 s
